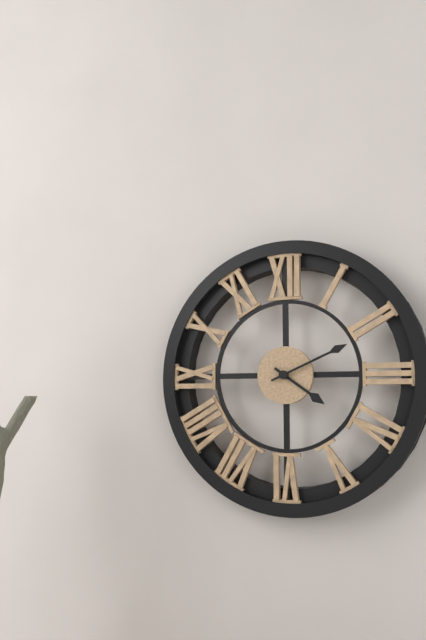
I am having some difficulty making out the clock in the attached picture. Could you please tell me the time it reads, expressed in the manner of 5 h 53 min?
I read 4 h 11 min
